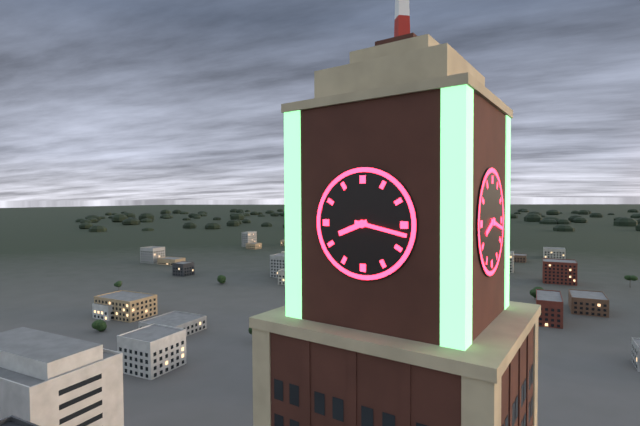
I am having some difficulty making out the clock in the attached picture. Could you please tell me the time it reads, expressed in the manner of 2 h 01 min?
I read 8 h 17 min
